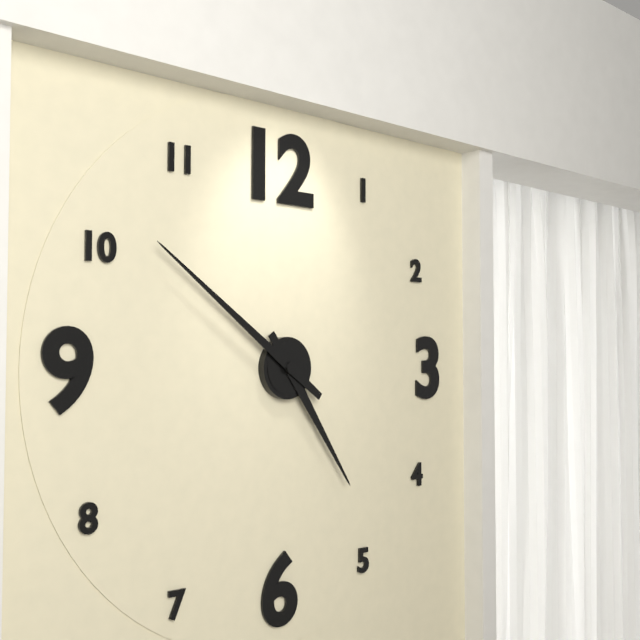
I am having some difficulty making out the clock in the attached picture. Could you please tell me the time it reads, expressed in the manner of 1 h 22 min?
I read 4 h 51 min
